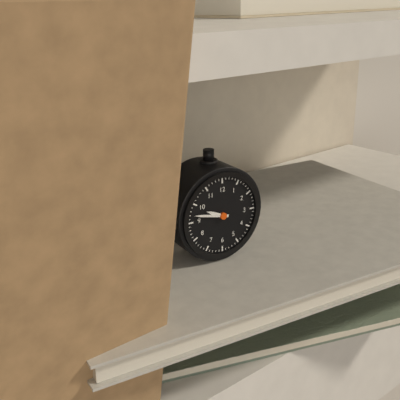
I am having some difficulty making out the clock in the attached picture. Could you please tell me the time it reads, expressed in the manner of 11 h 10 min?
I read 9 h 47 min
